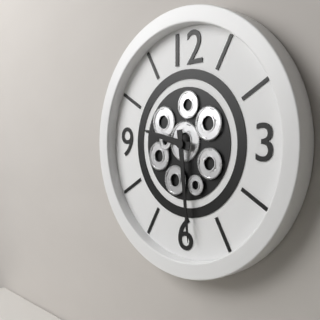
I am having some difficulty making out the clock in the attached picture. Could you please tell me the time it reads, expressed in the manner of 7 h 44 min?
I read 9 h 29 min
